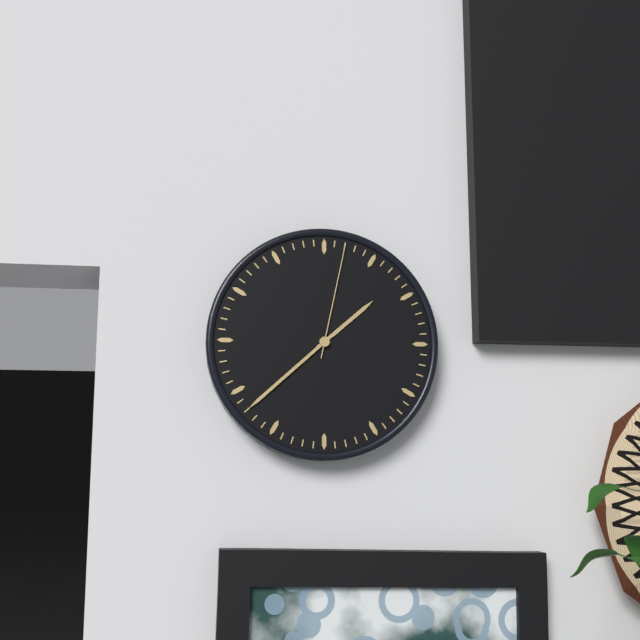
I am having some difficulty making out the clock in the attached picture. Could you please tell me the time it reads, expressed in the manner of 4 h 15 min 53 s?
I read 1 h 38 min 02 s
